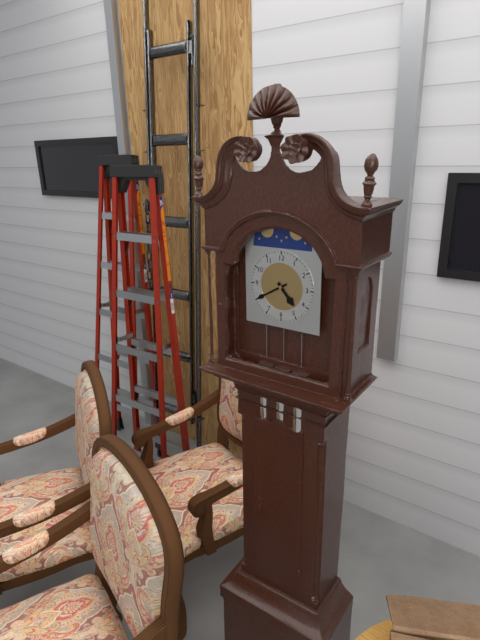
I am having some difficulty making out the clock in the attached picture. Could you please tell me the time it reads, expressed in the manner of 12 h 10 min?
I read 4 h 40 min
